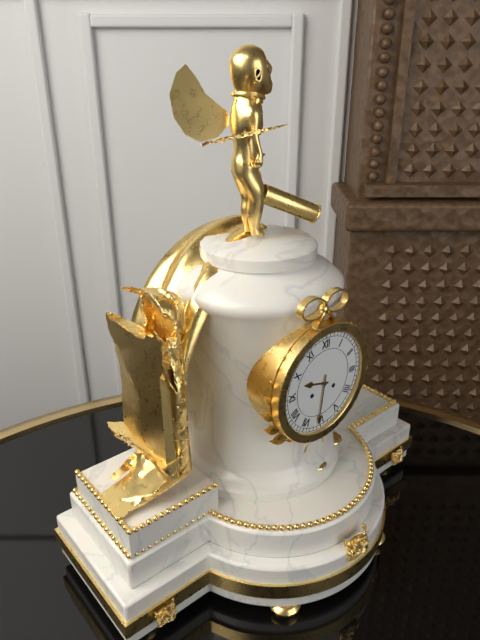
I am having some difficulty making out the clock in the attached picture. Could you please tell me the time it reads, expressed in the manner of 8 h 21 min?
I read 9 h 31 min
